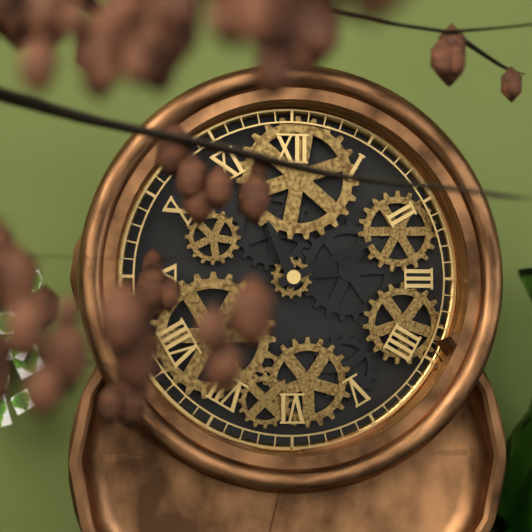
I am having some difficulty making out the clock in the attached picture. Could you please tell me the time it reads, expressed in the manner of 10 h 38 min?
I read 11 h 11 min
